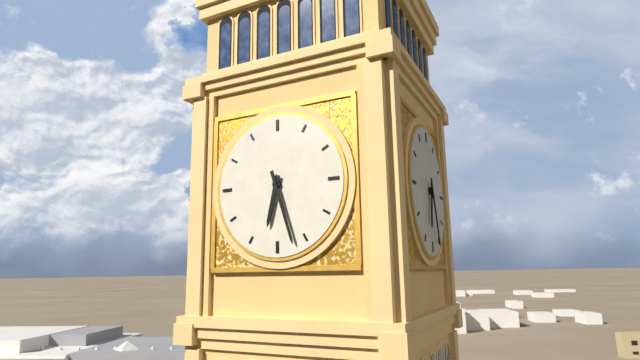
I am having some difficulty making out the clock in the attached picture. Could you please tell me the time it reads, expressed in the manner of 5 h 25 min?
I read 6 h 27 min
